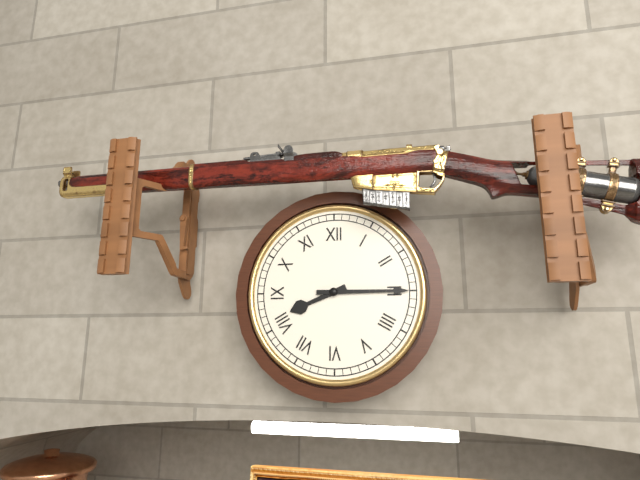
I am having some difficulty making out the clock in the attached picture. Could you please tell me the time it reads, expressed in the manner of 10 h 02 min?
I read 8 h 15 min
